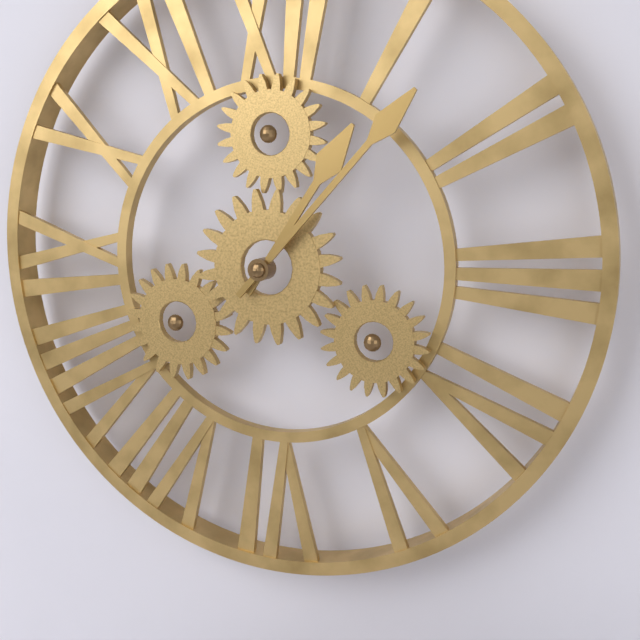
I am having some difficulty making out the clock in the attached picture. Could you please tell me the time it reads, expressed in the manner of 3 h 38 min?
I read 1 h 07 min
